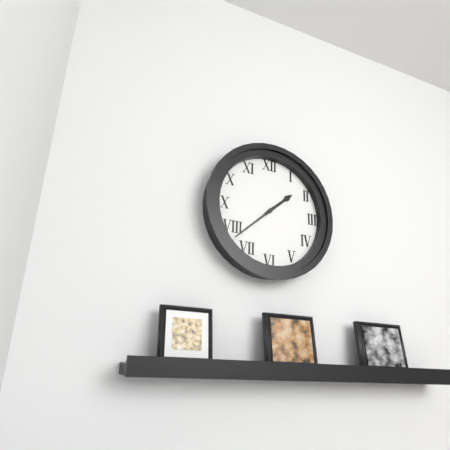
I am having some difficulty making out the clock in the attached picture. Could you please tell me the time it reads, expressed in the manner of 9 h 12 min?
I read 1 h 38 min
